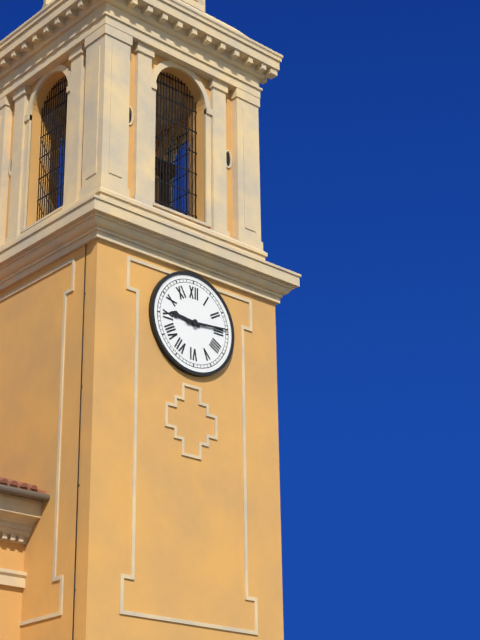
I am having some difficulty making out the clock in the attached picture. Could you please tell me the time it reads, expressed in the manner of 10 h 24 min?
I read 9 h 14 min
